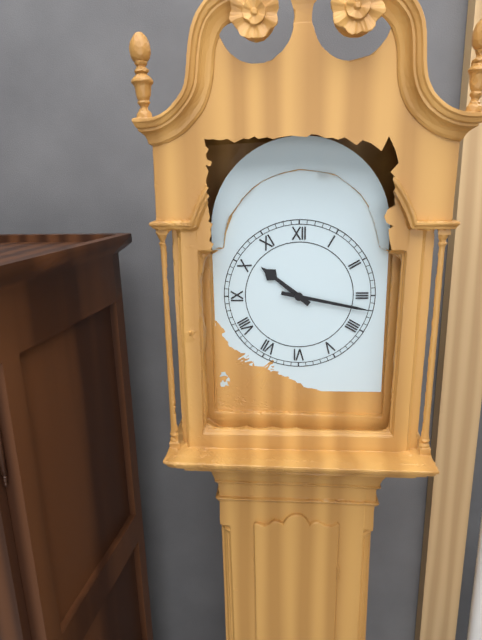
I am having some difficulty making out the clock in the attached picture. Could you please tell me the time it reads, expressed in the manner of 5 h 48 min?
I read 10 h 17 min
